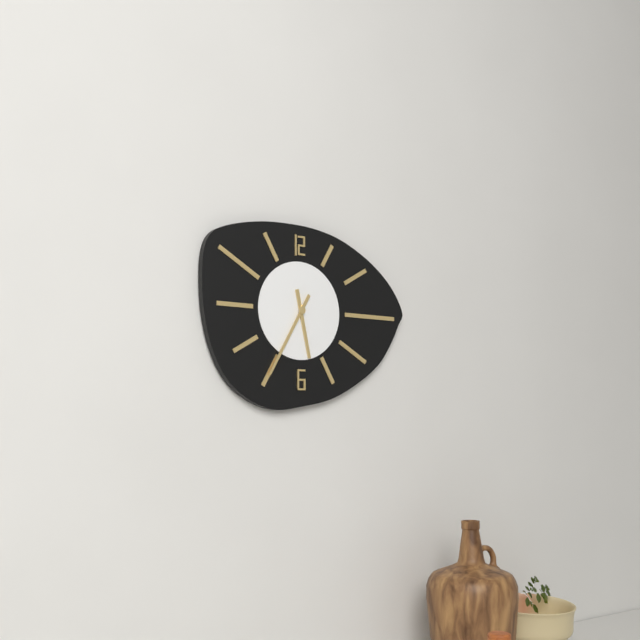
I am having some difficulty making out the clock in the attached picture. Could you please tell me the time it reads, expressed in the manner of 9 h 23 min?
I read 5 h 35 min
